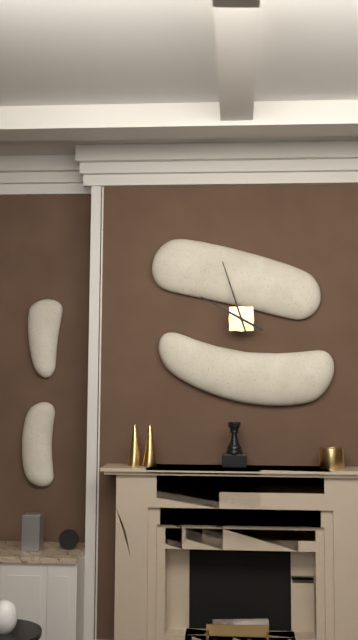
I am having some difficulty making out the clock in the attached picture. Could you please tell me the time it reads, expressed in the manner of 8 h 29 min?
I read 9 h 57 min
